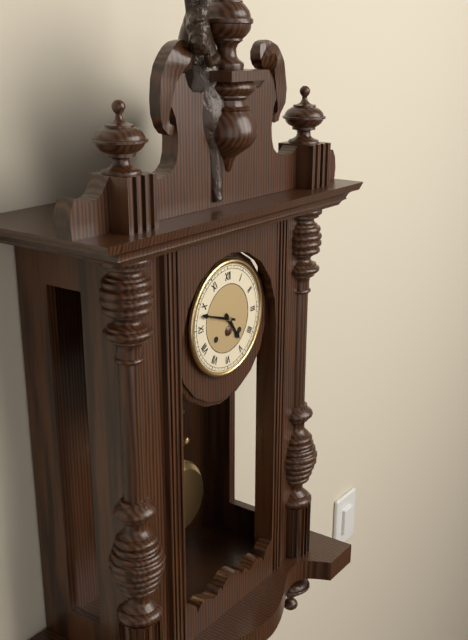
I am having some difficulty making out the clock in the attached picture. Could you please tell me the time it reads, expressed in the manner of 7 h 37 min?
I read 4 h 48 min
